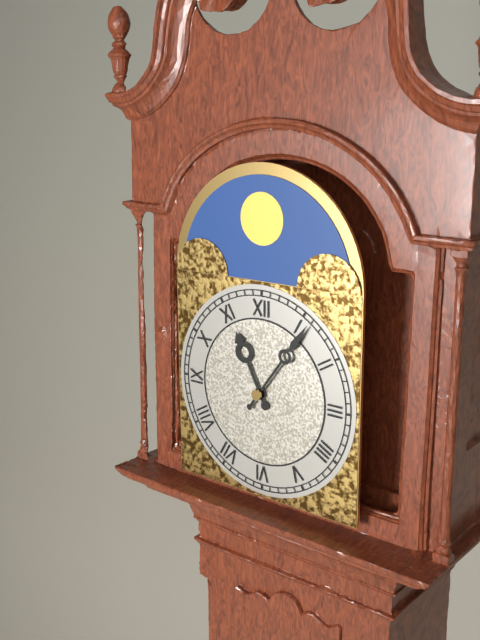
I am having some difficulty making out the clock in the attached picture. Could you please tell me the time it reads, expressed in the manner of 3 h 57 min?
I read 11 h 06 min
